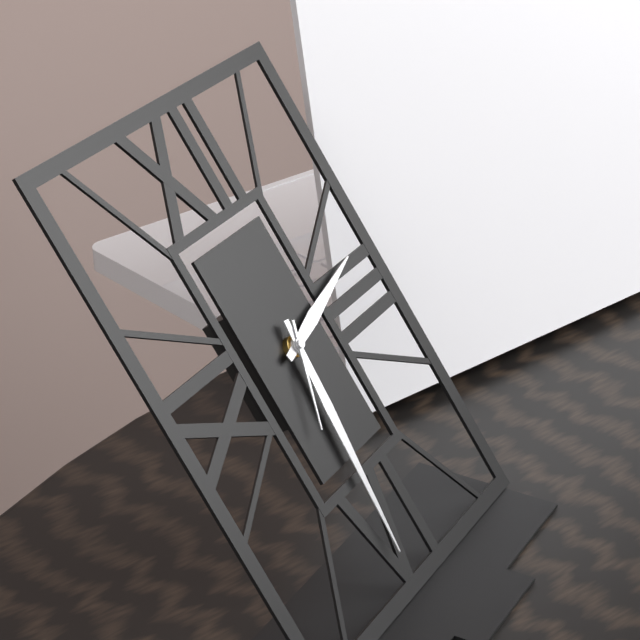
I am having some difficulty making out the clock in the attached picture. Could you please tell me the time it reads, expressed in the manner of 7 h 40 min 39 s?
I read 2 h 31 min 34 s
